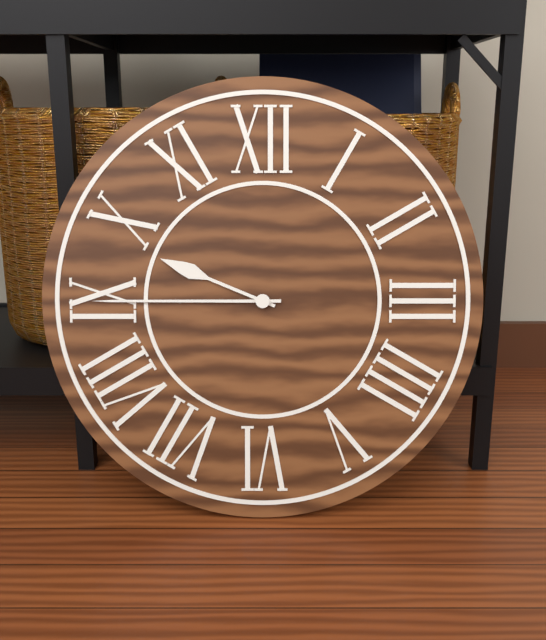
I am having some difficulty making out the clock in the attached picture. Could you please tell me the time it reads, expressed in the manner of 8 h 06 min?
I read 9 h 45 min
